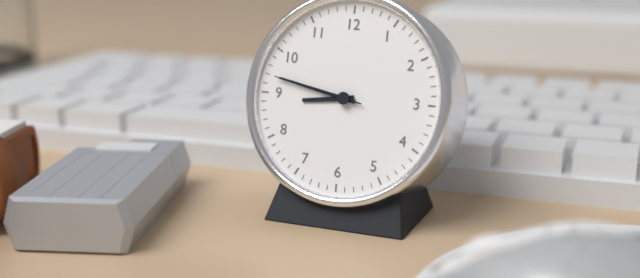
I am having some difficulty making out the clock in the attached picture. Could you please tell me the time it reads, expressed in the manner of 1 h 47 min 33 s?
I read 8 h 47 min 47 s
